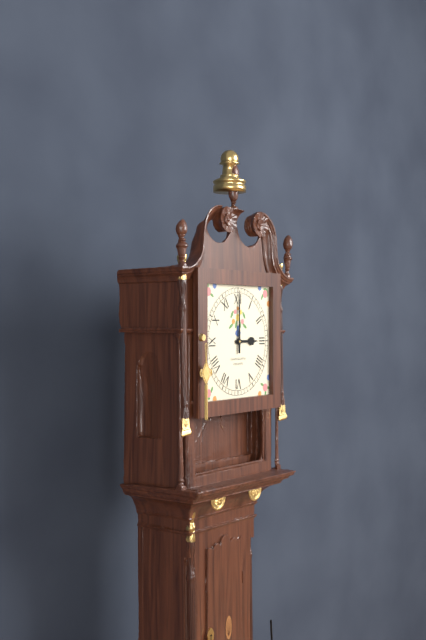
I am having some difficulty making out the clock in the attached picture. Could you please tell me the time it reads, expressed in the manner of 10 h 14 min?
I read 3 h 00 min
